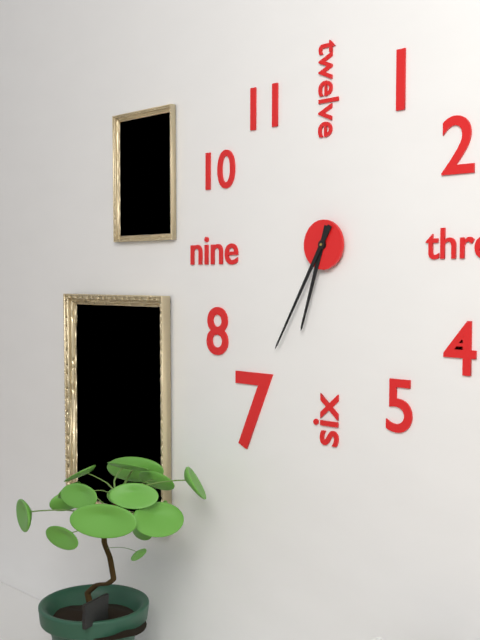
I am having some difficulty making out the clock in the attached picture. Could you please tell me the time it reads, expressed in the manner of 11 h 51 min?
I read 6 h 35 min
